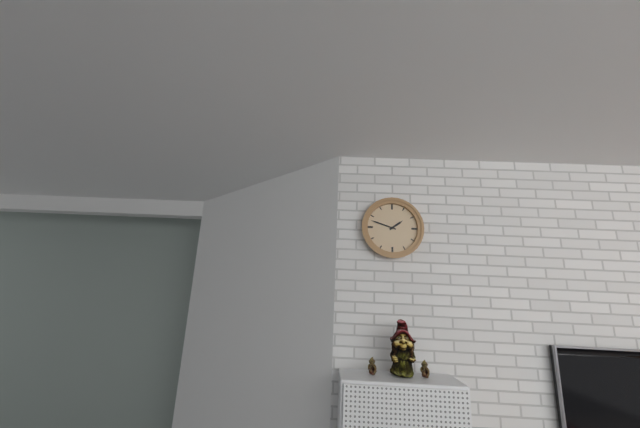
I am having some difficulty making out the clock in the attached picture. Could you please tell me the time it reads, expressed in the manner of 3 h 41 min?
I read 1 h 48 min
